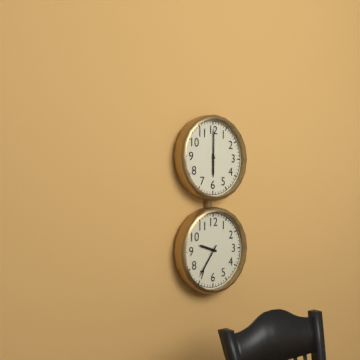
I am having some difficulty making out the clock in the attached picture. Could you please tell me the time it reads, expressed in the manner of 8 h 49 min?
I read 6 h 00 min
